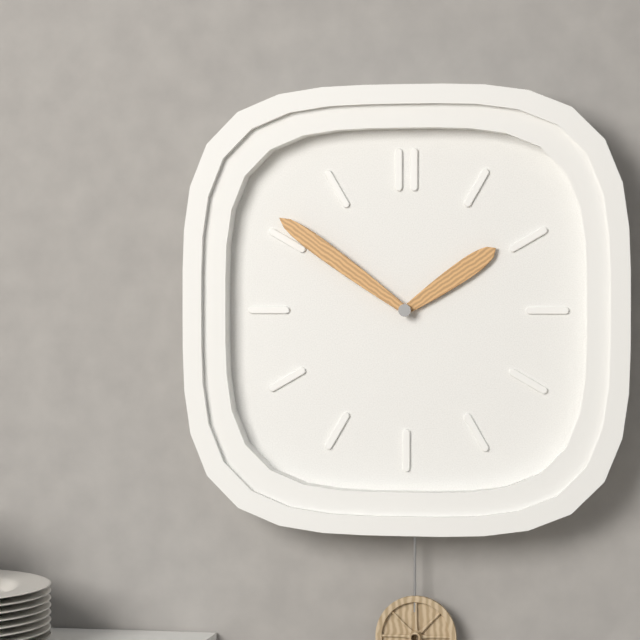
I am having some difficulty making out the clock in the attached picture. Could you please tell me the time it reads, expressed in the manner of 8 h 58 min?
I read 1 h 51 min
